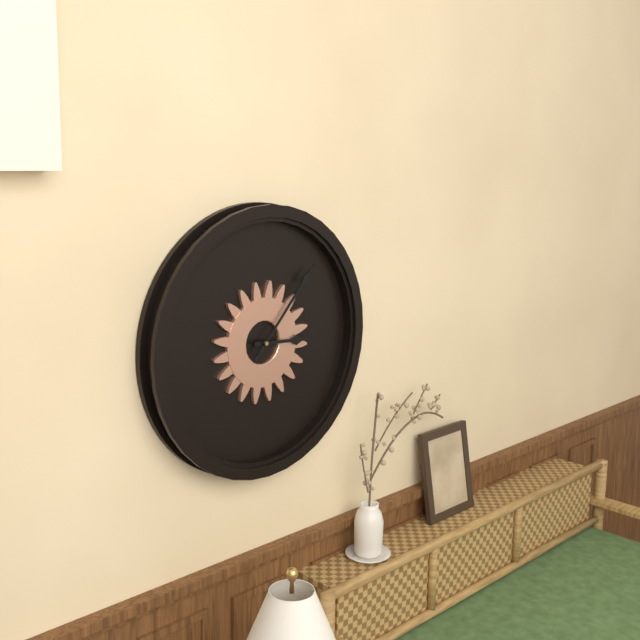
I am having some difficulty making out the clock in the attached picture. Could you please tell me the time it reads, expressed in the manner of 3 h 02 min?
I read 3 h 07 min
